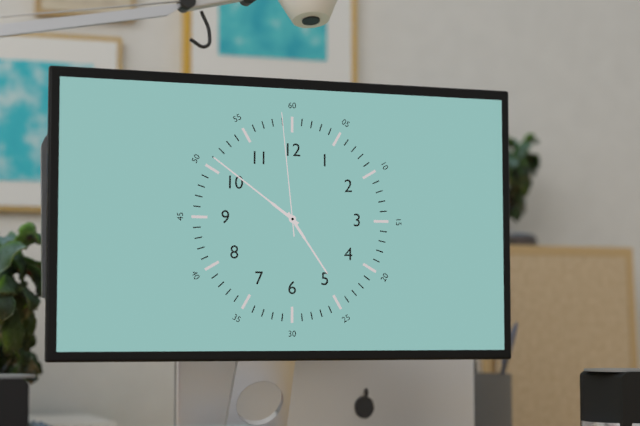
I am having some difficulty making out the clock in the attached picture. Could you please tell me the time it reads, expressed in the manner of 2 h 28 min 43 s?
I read 4 h 51 min 59 s
